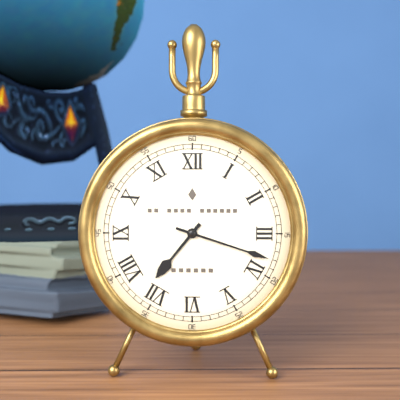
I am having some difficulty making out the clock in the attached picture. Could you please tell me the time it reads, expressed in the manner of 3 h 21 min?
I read 7 h 18 min
